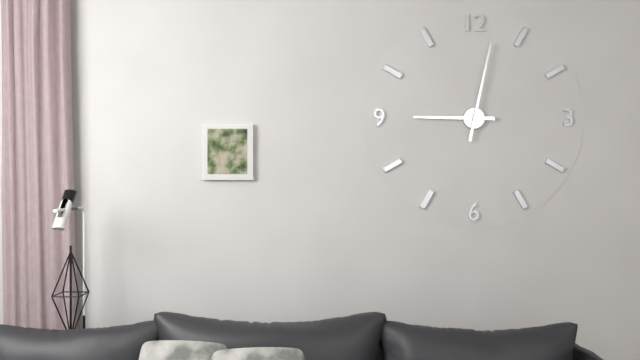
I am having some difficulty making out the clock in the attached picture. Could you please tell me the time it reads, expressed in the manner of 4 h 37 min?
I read 9 h 02 min
